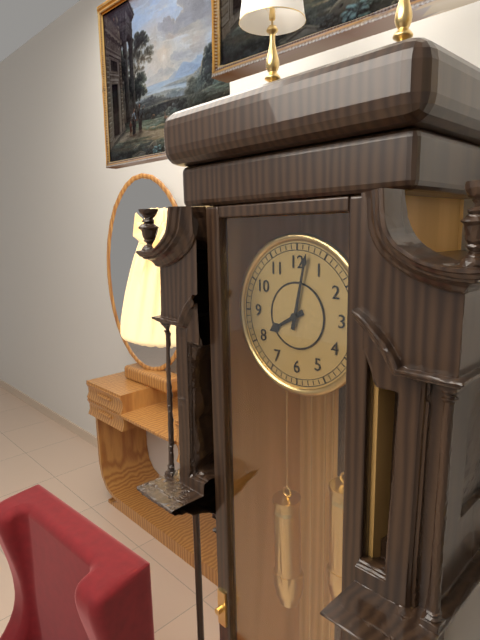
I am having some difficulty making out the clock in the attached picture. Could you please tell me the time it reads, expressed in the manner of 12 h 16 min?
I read 8 h 02 min
